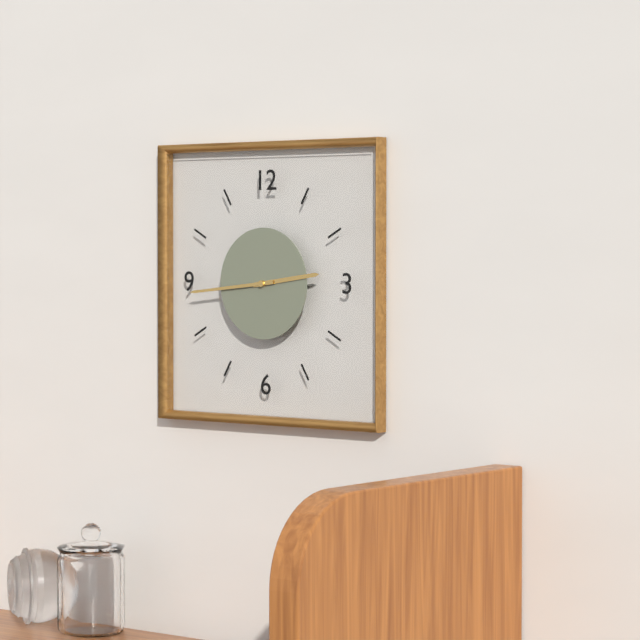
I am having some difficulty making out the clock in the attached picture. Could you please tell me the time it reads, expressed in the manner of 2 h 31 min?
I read 2 h 44 min
